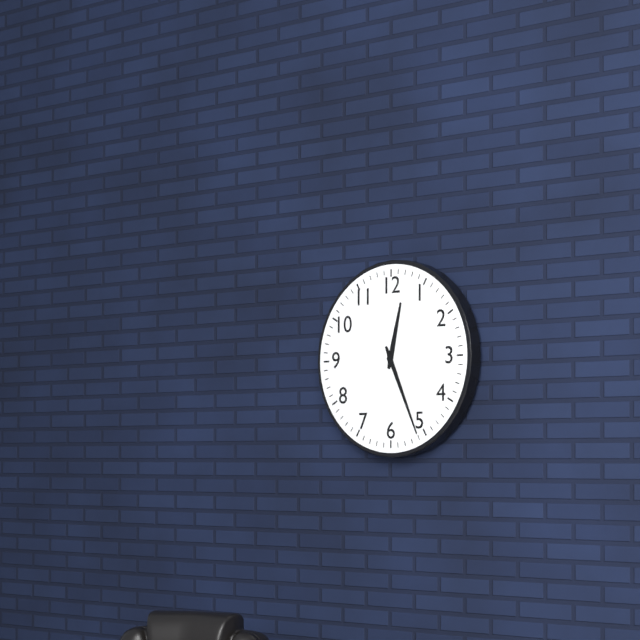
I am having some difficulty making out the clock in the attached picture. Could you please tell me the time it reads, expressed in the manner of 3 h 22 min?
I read 12 h 26 min
